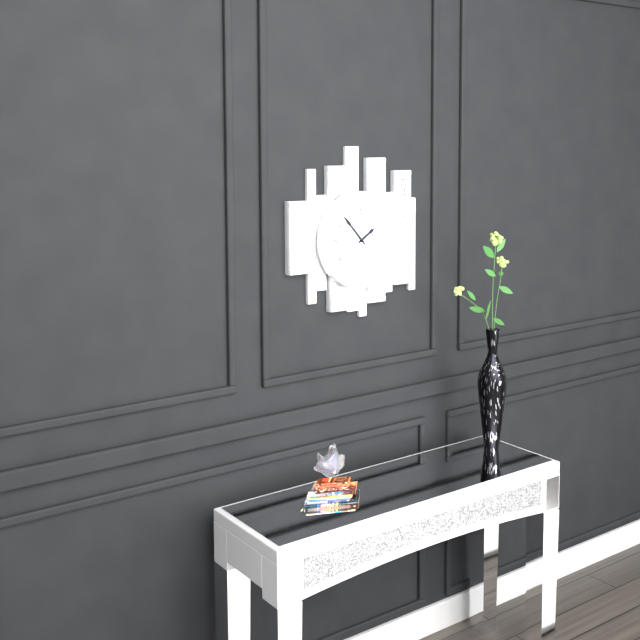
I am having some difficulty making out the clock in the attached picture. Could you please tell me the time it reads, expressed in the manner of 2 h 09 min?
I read 1 h 53 min
